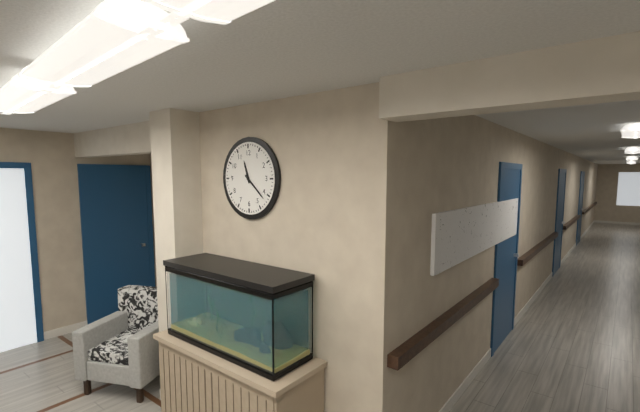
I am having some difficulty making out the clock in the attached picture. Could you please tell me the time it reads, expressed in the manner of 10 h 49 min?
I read 11 h 22 min
